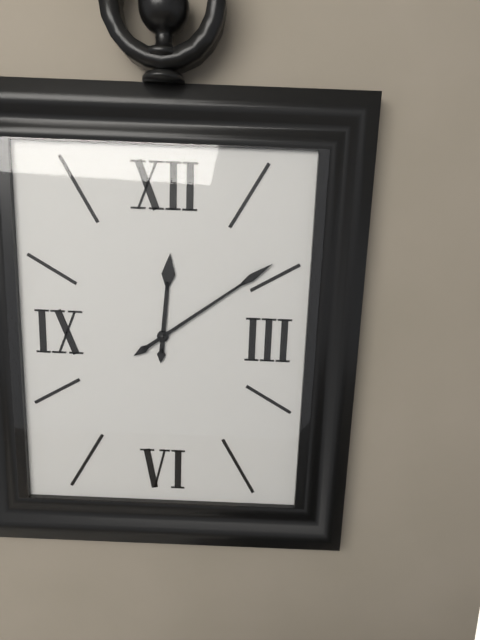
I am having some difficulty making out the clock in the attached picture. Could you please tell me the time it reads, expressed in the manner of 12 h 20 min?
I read 12 h 09 min
